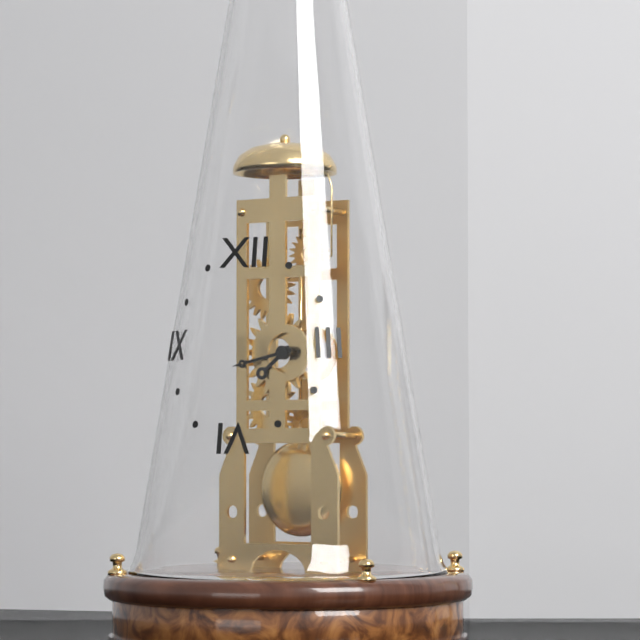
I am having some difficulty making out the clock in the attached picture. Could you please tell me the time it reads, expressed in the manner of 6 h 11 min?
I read 7 h 43 min
